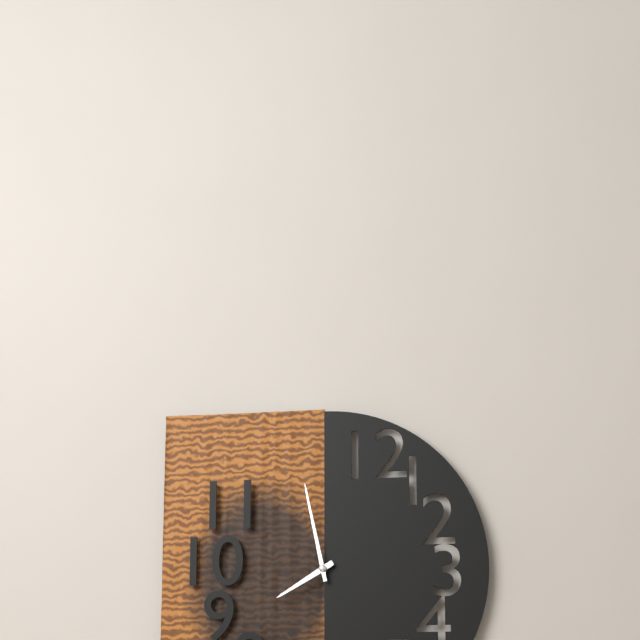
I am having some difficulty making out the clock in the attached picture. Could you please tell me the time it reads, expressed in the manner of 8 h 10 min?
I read 7 h 58 min
